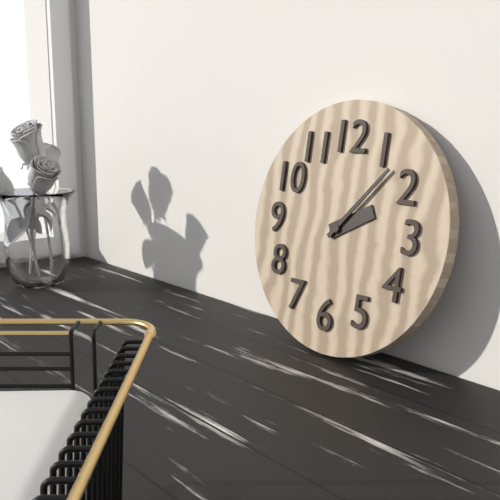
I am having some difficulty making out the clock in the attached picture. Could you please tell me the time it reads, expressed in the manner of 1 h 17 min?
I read 2 h 07 min
